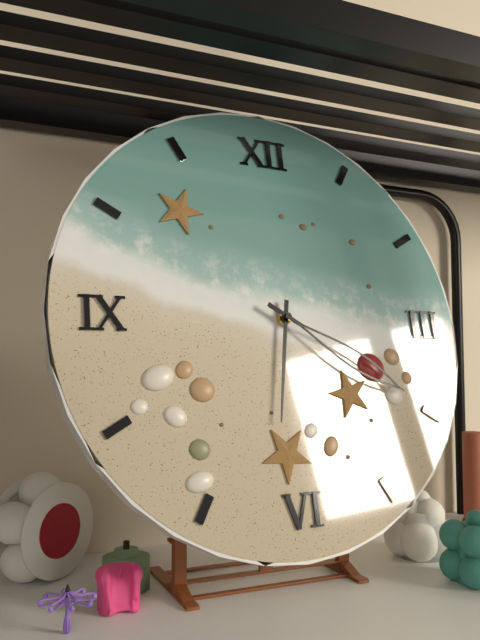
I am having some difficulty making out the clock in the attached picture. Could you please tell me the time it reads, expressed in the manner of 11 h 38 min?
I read 6 h 20 min
